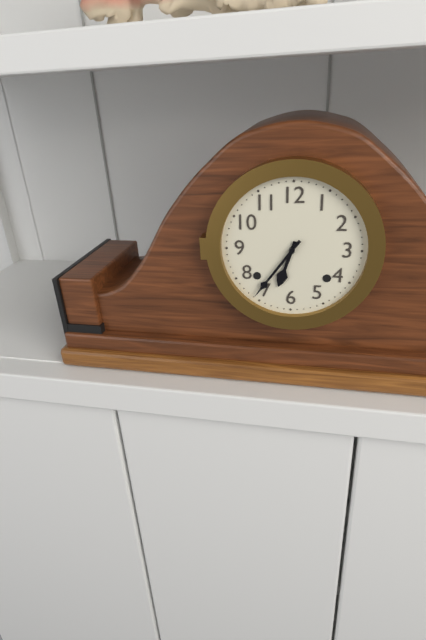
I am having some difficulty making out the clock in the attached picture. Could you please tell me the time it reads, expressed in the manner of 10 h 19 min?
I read 6 h 36 min
